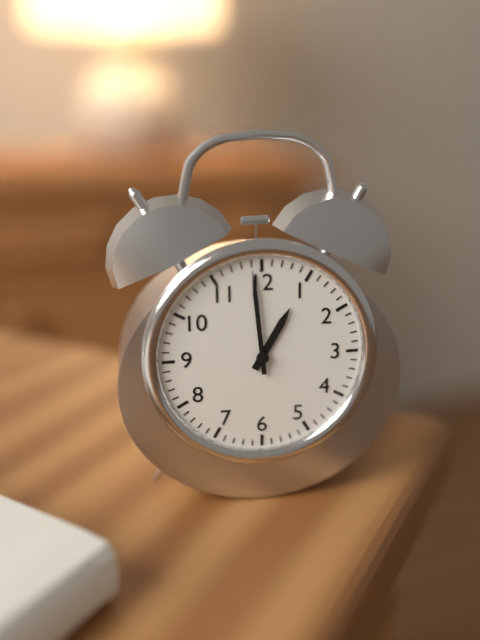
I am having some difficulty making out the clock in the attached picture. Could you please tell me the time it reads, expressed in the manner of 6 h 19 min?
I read 12 h 59 min
